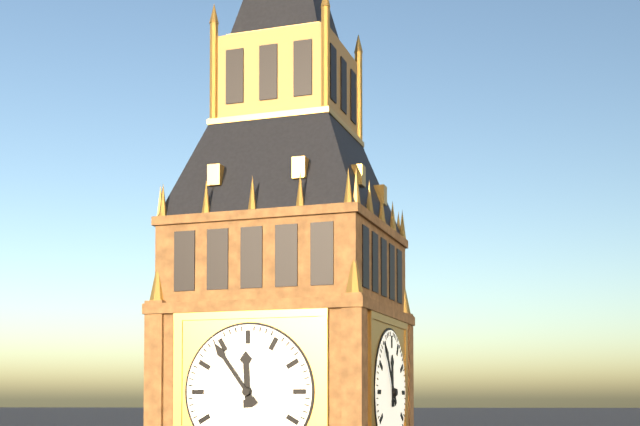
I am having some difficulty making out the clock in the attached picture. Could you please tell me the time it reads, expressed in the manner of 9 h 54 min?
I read 11 h 54 min
